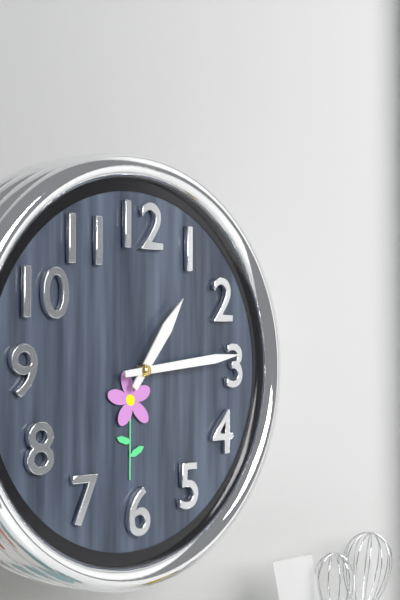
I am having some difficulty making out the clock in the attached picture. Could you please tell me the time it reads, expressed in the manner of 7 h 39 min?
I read 1 h 14 min
